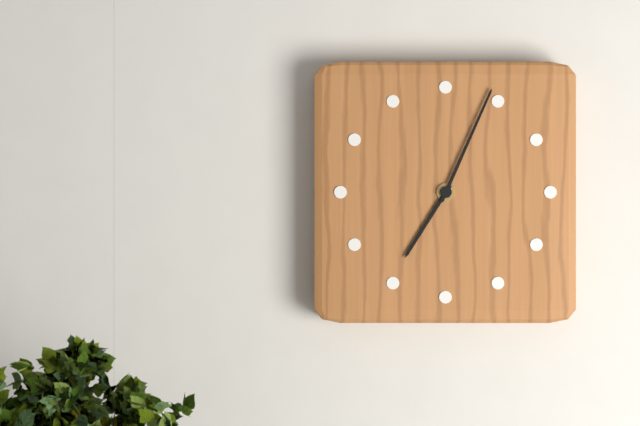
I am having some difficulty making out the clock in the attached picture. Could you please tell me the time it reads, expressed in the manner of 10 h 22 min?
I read 7 h 04 min
